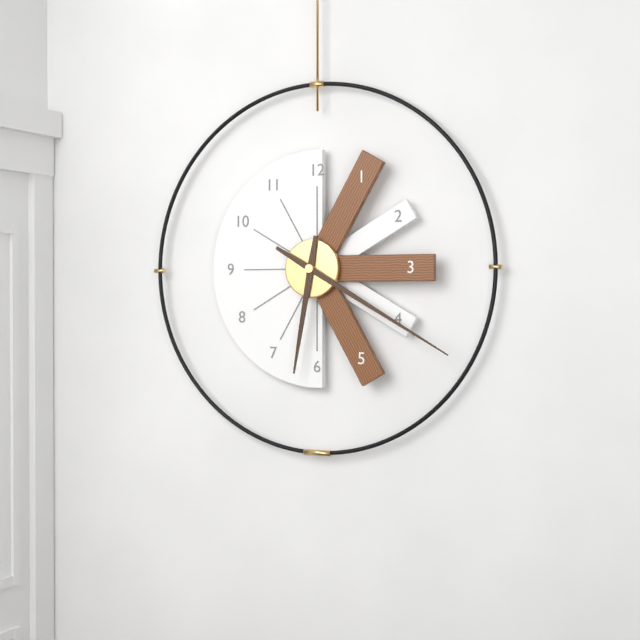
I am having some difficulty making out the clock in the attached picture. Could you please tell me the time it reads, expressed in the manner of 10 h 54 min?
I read 6 h 20 min
